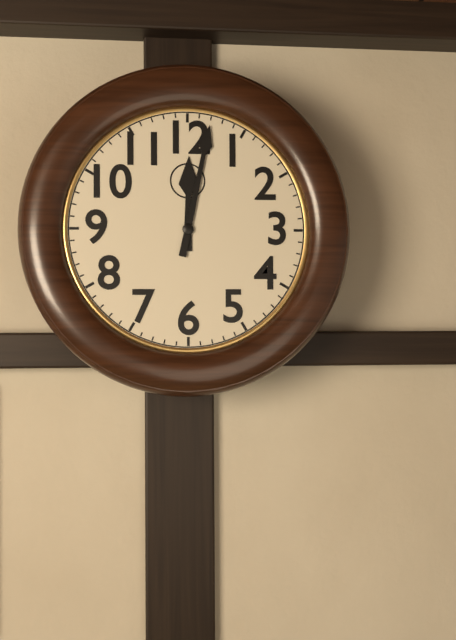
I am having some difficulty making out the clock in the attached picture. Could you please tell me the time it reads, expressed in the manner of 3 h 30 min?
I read 12 h 02 min
